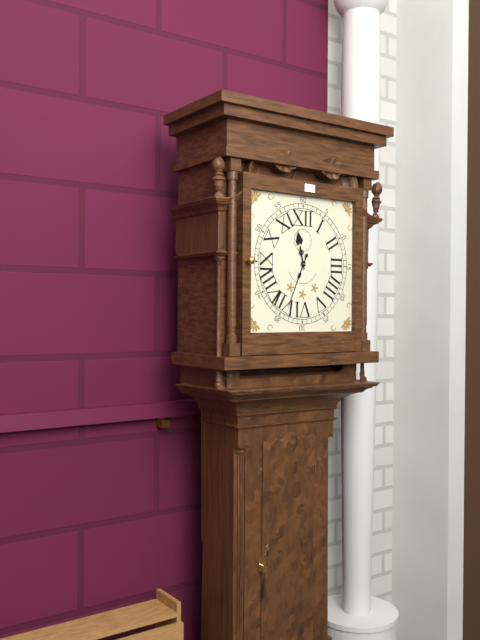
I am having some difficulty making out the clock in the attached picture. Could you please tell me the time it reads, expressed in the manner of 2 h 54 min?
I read 11 h 34 min
